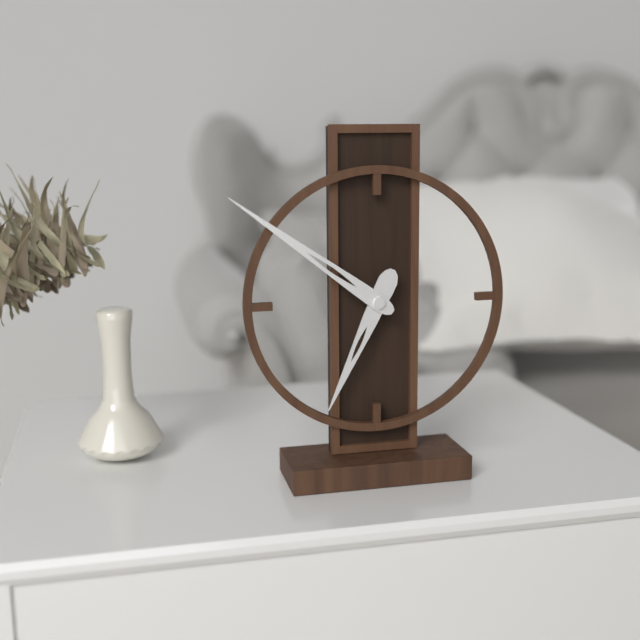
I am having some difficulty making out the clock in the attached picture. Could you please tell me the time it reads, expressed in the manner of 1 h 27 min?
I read 6 h 51 min
